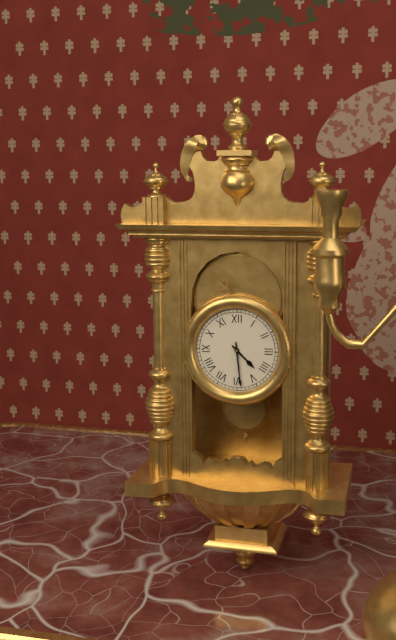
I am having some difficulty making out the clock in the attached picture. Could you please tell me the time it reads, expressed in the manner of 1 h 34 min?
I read 4 h 29 min
